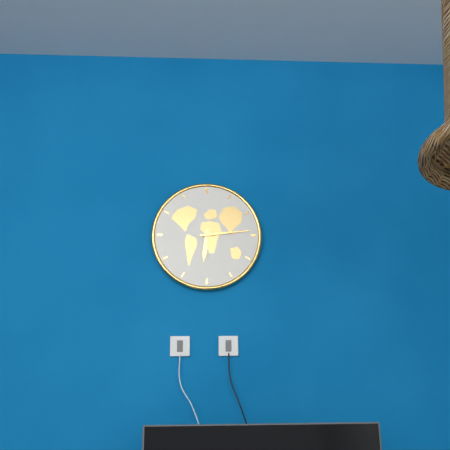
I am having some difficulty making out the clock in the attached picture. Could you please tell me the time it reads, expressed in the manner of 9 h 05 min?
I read 6 h 14 min
